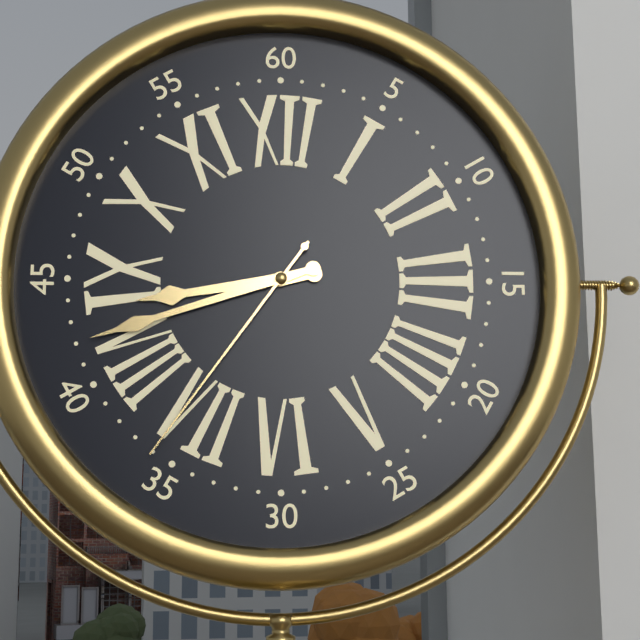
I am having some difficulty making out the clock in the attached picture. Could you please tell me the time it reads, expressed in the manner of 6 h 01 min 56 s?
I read 8 h 42 min 36 s
